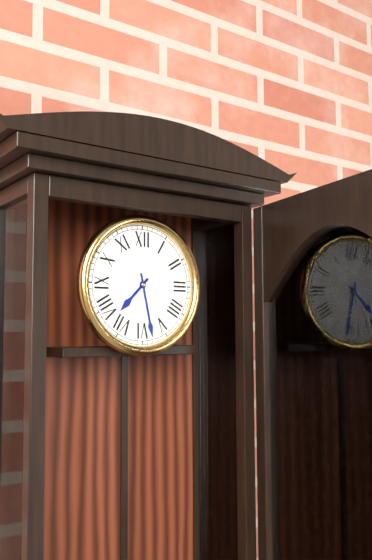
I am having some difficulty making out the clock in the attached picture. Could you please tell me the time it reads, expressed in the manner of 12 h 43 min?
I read 7 h 28 min
